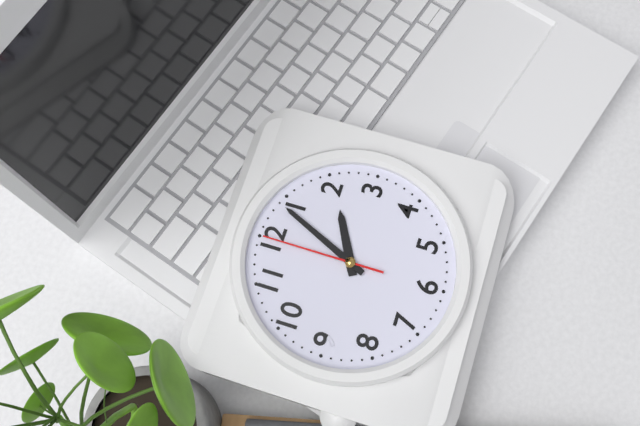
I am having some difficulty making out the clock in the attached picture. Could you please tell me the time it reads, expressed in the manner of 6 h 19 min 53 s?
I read 2 h 04 min 00 s
